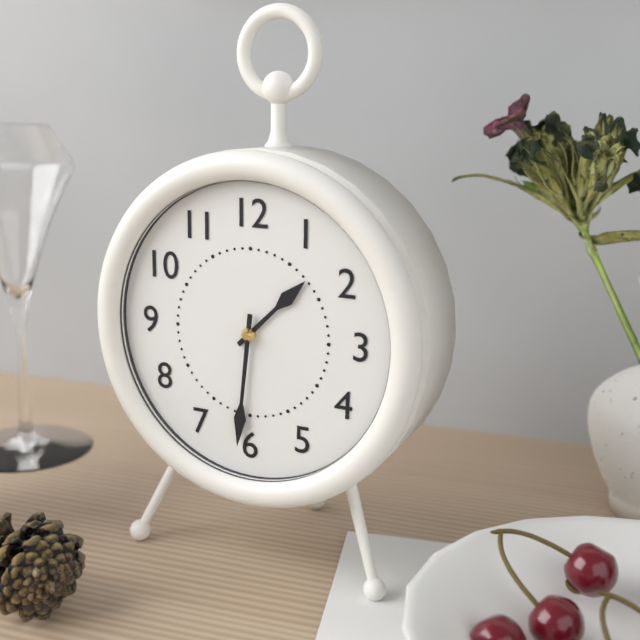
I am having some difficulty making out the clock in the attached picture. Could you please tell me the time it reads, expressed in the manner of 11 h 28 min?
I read 1 h 31 min
